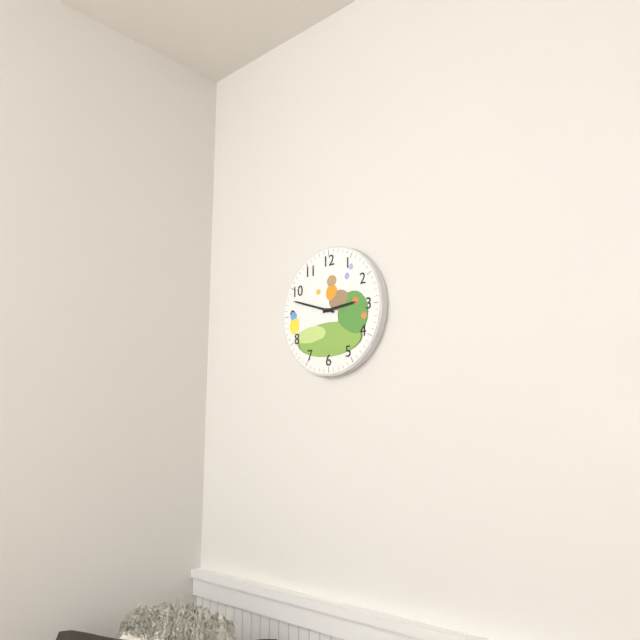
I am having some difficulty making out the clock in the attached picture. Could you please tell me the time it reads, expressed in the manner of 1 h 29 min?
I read 2 h 48 min
